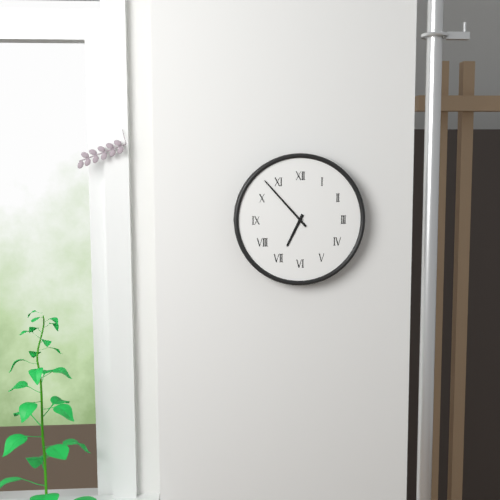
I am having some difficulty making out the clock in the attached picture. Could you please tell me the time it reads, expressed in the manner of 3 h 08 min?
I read 6 h 53 min
